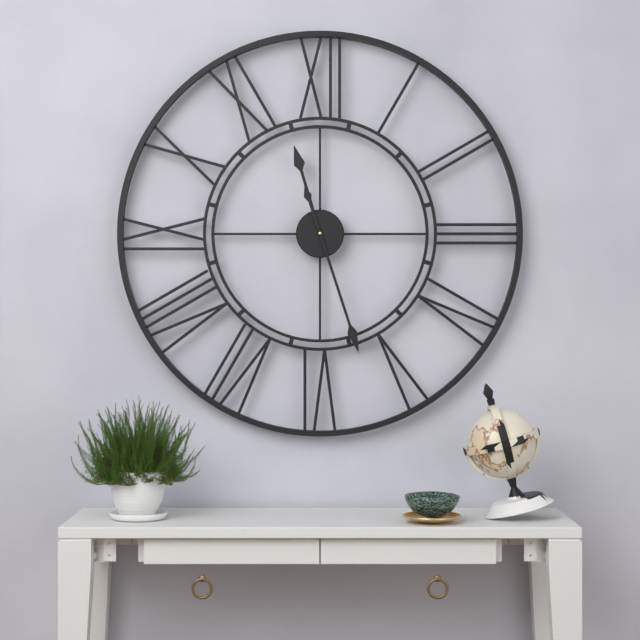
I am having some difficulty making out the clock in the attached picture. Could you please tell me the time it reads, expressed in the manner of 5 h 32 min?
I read 11 h 27 min
